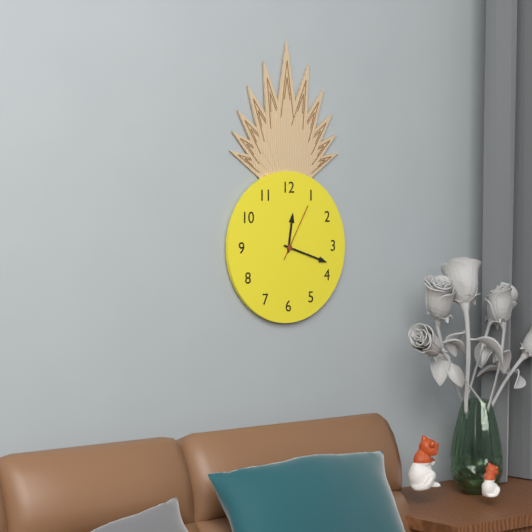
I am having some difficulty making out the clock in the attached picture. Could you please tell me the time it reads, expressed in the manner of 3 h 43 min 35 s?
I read 12 h 18 min 05 s
